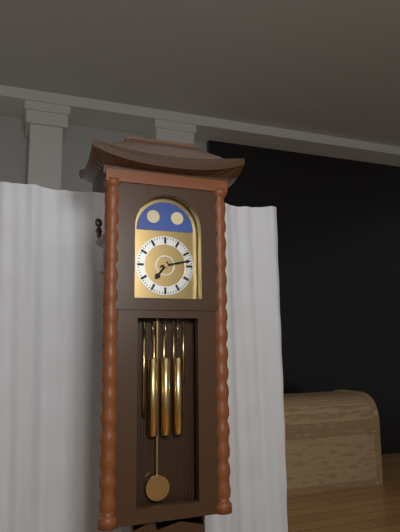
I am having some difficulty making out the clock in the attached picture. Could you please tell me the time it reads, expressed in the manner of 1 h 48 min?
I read 7 h 13 min
